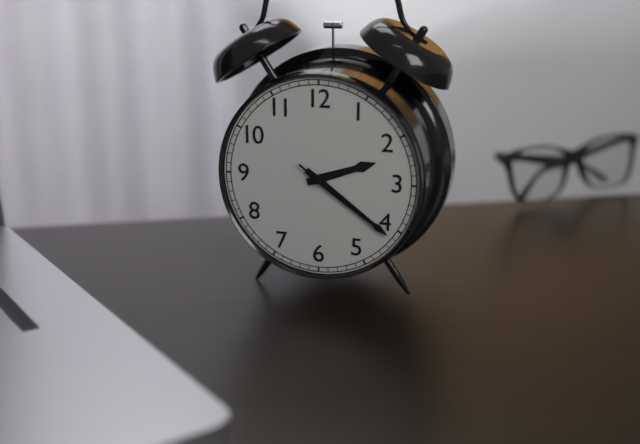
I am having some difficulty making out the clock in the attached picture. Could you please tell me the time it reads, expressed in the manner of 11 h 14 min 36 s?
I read 2 h 21 min 21 s
